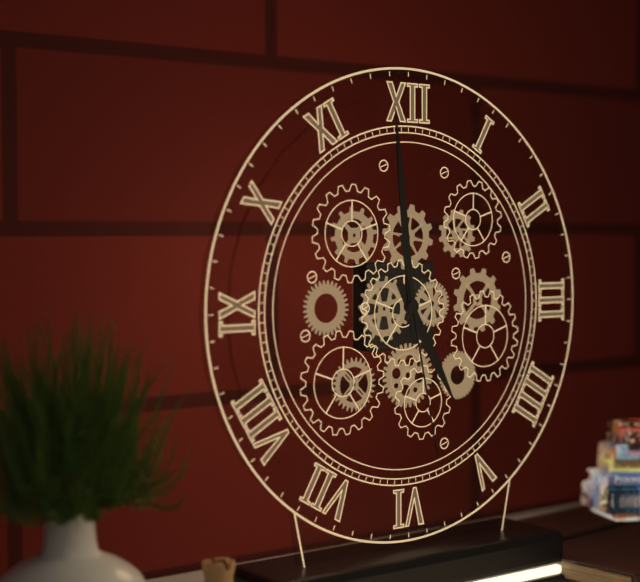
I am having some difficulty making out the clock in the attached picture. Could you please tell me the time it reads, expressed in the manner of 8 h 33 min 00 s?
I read 4 h 59 min 28 s
